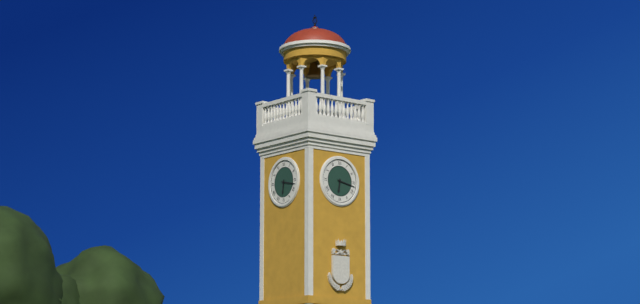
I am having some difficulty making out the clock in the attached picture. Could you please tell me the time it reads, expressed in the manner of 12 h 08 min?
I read 6 h 17 min
